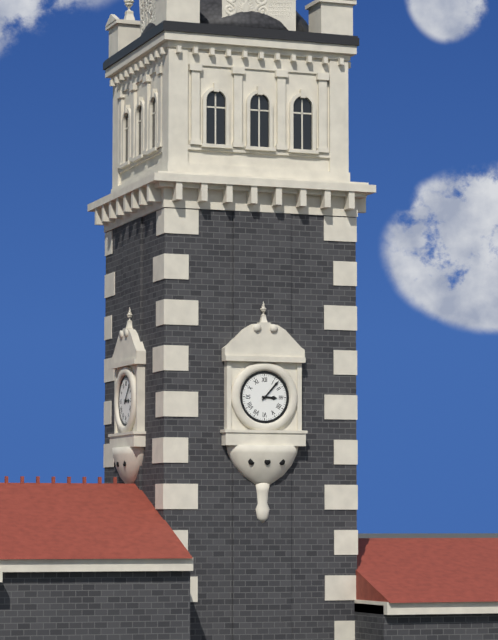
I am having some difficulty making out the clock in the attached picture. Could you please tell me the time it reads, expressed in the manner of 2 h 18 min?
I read 3 h 07 min
